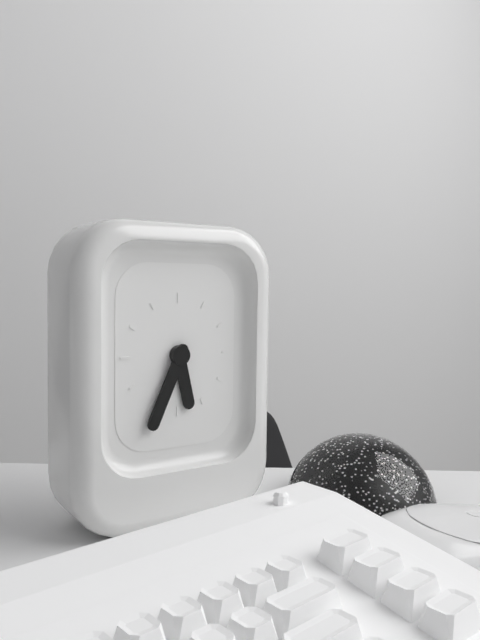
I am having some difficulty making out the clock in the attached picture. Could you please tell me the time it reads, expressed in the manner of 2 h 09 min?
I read 5 h 34 min
